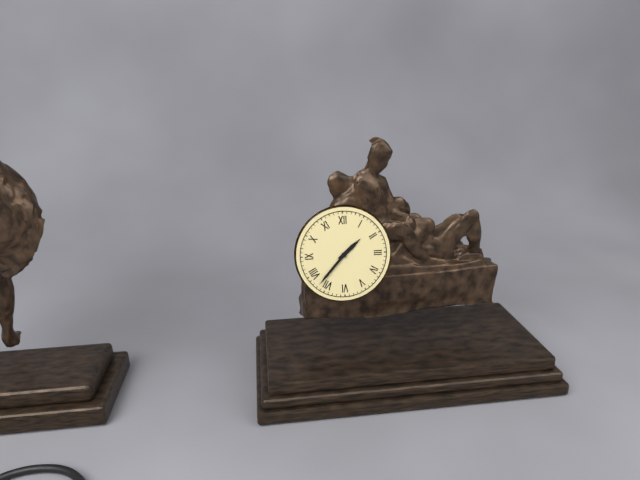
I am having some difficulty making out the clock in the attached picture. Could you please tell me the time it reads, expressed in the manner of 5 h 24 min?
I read 1 h 37 min
